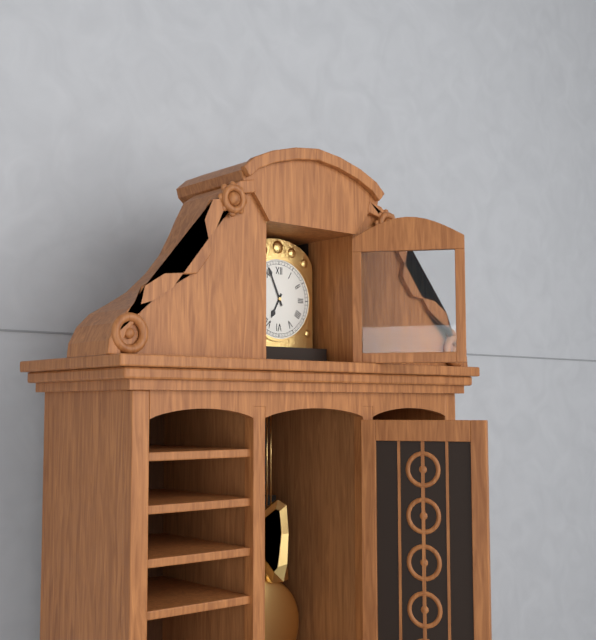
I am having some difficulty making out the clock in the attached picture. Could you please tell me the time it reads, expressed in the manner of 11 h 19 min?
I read 6 h 56 min
